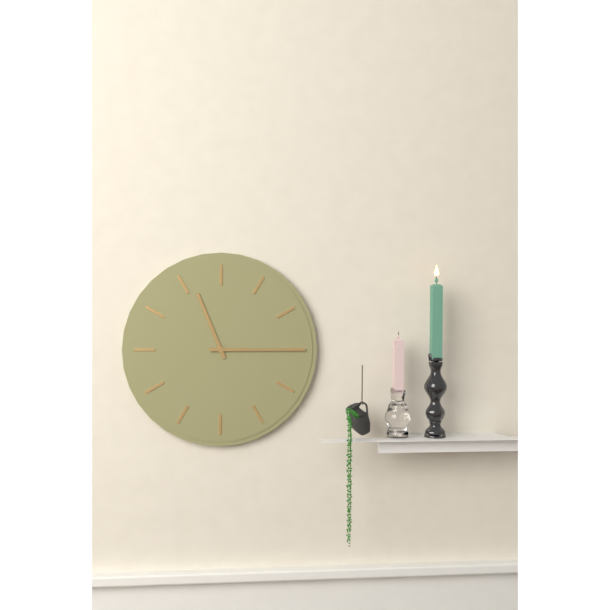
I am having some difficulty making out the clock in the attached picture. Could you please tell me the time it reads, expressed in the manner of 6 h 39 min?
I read 11 h 15 min
